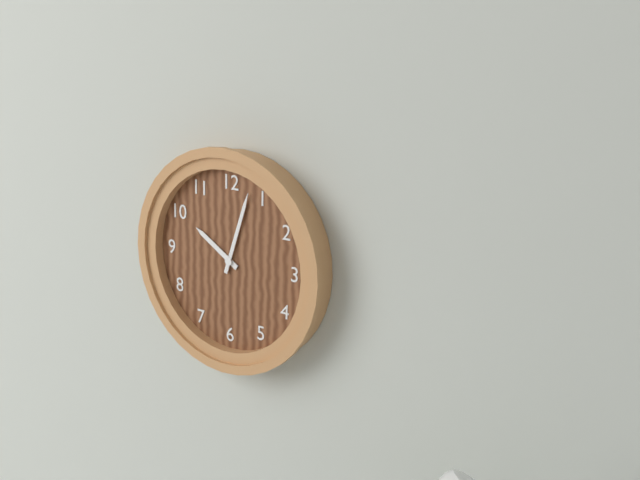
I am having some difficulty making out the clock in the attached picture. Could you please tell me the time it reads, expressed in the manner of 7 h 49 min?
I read 10 h 03 min
